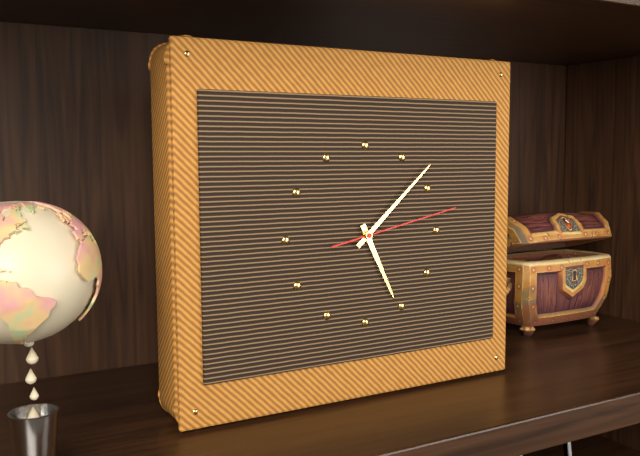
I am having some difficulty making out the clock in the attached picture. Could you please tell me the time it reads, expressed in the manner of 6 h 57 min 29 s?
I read 5 h 08 min 13 s
